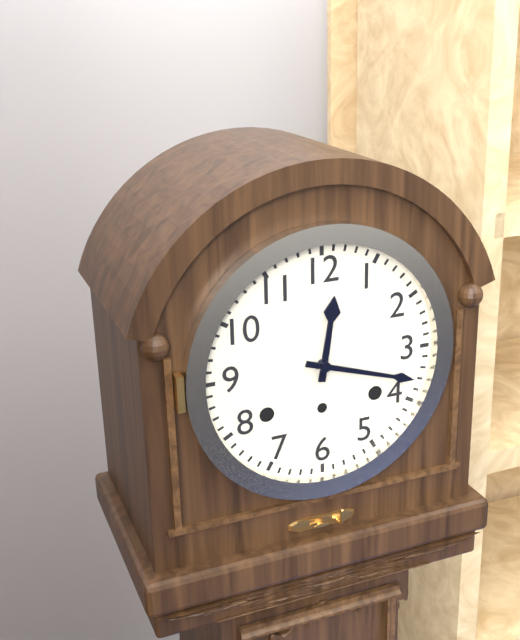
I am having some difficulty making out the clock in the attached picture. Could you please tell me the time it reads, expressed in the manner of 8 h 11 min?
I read 12 h 18 min
